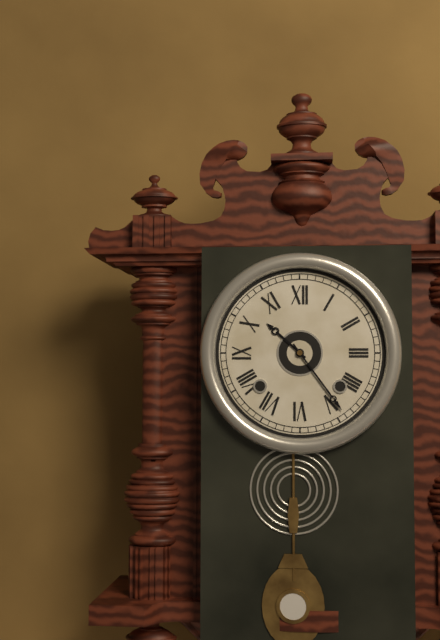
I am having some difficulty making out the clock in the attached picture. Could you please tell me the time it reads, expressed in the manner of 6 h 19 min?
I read 10 h 24 min
